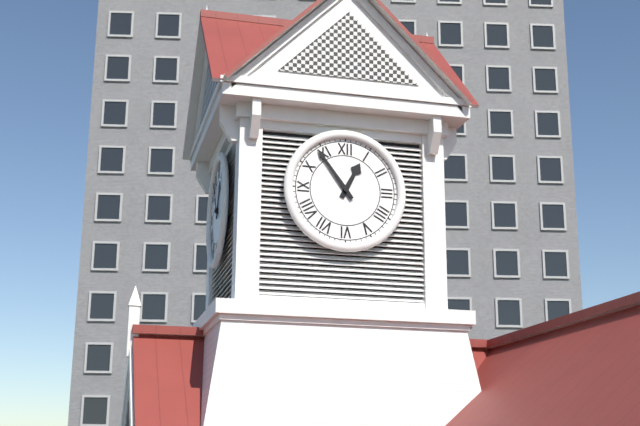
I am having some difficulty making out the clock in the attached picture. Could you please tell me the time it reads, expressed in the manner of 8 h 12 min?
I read 12 h 54 min
